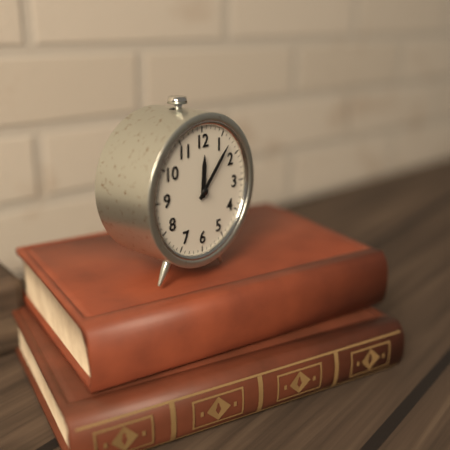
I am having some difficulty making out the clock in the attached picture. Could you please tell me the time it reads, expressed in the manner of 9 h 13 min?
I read 12 h 07 min
